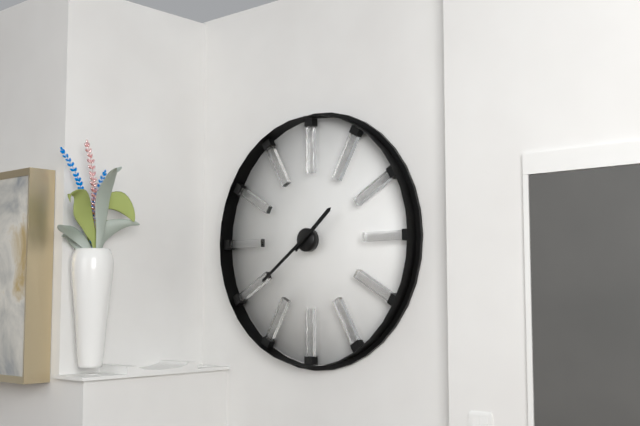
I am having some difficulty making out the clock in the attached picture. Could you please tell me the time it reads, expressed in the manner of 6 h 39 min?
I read 1 h 39 min
